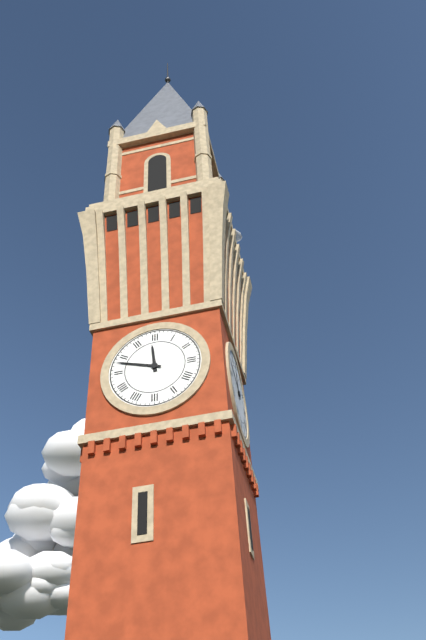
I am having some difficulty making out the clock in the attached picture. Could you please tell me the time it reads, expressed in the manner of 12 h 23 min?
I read 11 h 48 min
